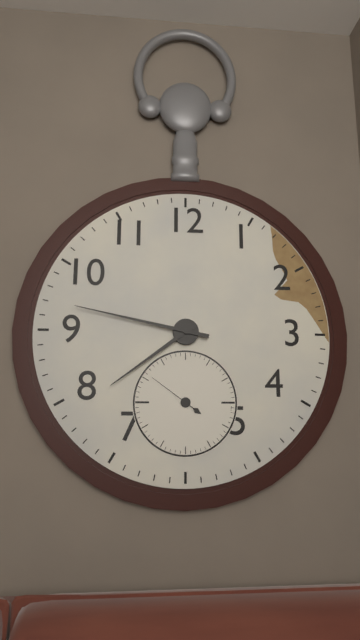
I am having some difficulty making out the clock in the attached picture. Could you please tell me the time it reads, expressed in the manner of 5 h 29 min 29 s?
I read 7 h 47 min 51 s
